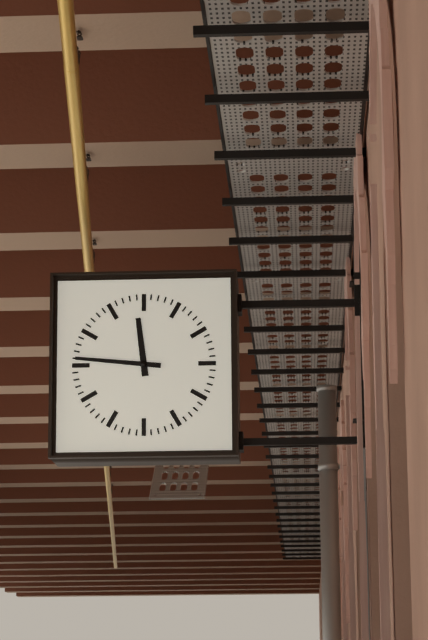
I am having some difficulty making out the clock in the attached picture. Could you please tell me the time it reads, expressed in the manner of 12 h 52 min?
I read 11 h 46 min
